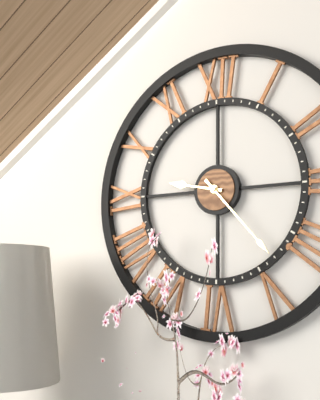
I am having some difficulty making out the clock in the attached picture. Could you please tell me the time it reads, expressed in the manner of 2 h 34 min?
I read 9 h 23 min
